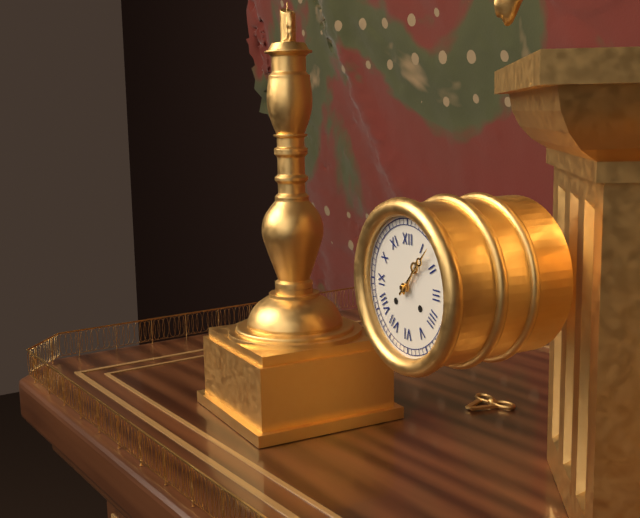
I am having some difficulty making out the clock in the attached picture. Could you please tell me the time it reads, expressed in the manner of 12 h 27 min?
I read 1 h 07 min
